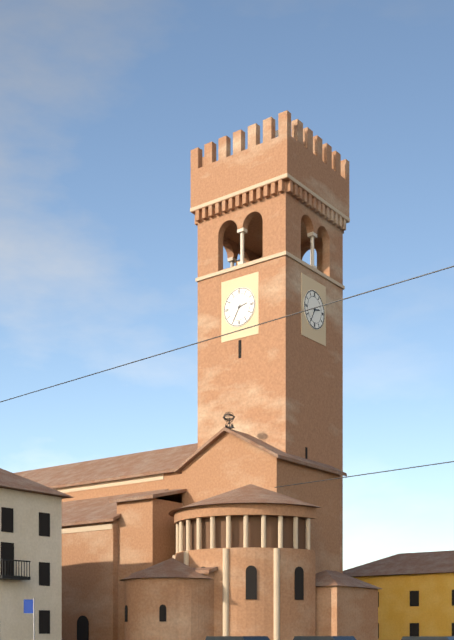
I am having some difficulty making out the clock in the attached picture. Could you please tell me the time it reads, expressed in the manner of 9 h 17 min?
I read 2 h 35 min
